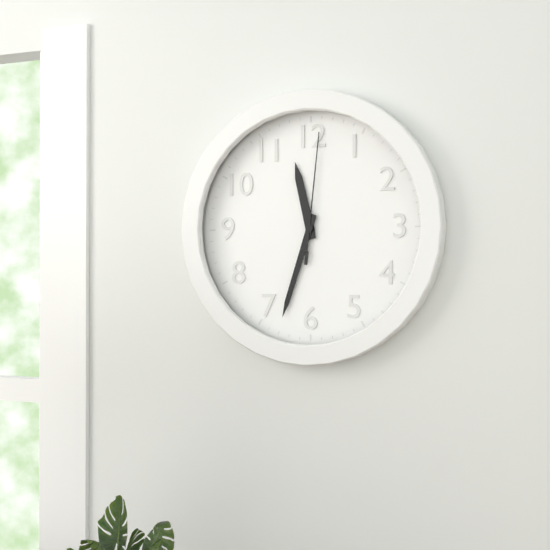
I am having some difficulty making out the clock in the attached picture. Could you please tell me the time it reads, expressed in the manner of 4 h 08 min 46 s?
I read 11 h 33 min 01 s
